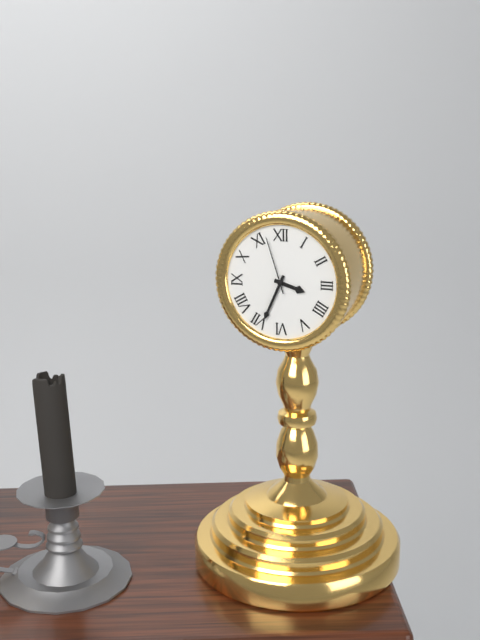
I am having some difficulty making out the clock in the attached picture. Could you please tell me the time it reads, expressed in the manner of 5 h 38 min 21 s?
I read 3 h 34 min 57 s
